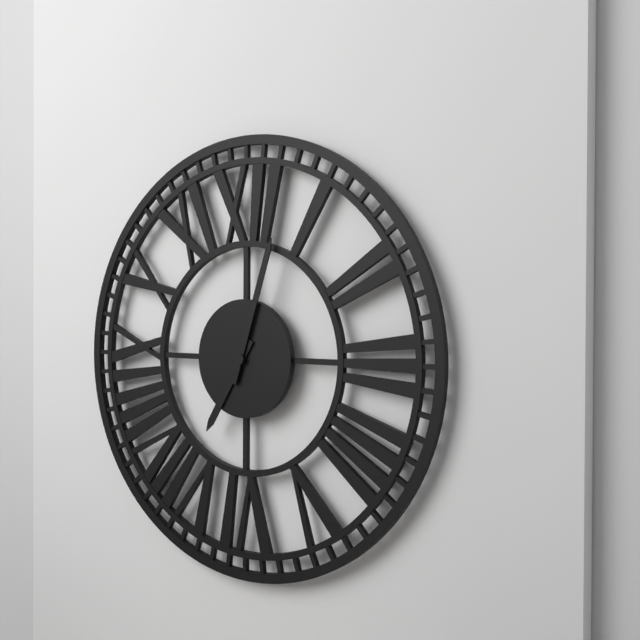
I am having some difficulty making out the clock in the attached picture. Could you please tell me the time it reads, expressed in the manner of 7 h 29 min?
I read 7 h 03 min
